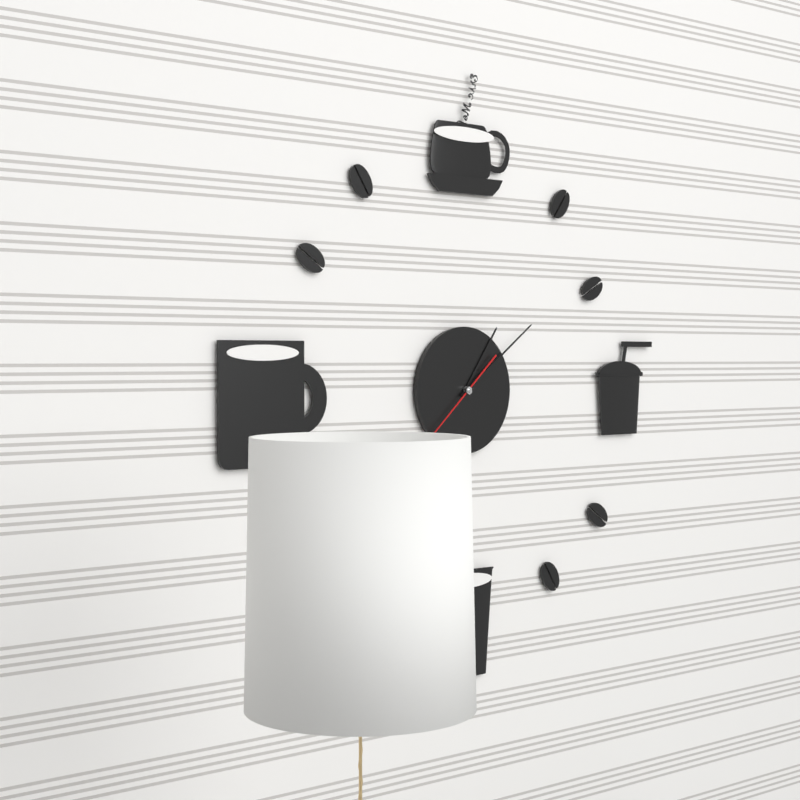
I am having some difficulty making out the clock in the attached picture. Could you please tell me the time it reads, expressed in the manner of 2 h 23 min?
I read 1 h 09 min
